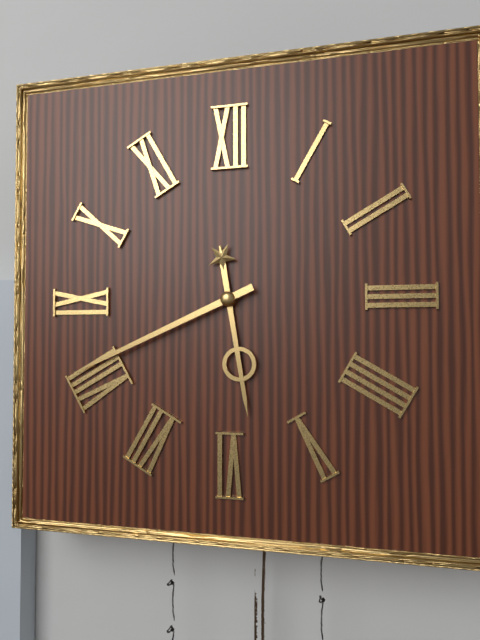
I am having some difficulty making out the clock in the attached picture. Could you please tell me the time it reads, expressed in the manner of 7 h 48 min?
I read 5 h 41 min
